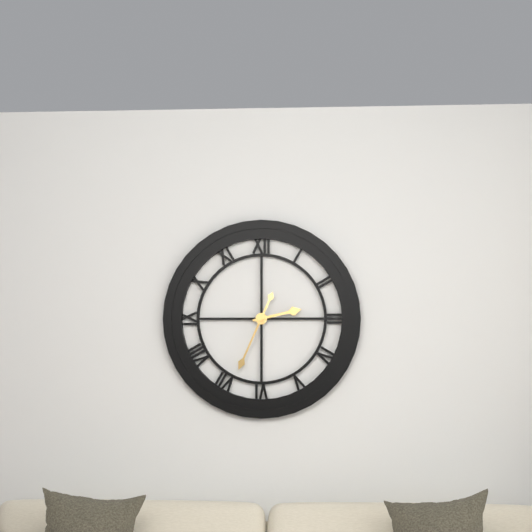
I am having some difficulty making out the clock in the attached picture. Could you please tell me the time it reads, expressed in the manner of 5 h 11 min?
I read 2 h 34 min
